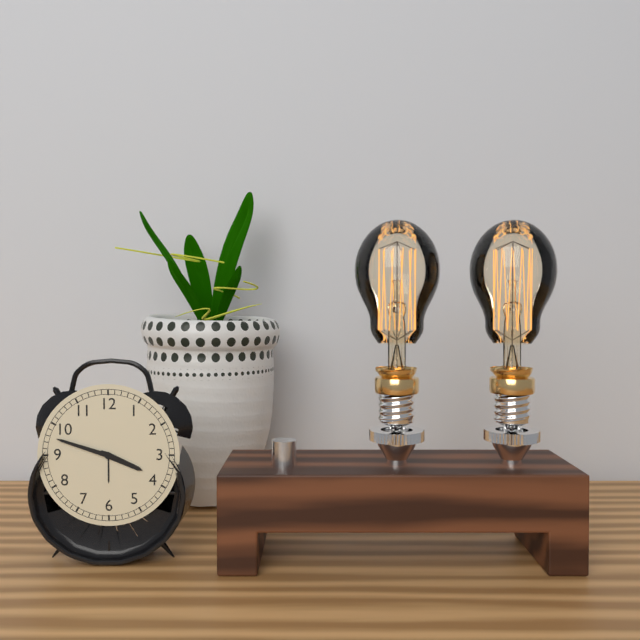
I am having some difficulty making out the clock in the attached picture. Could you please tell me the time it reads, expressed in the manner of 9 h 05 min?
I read 3 h 48 min
